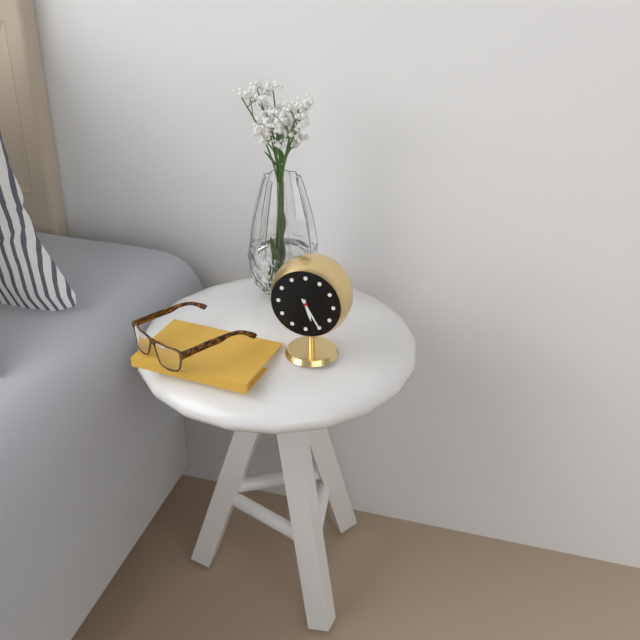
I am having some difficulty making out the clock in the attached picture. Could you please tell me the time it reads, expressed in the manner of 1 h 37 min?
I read 5 h 25 min
